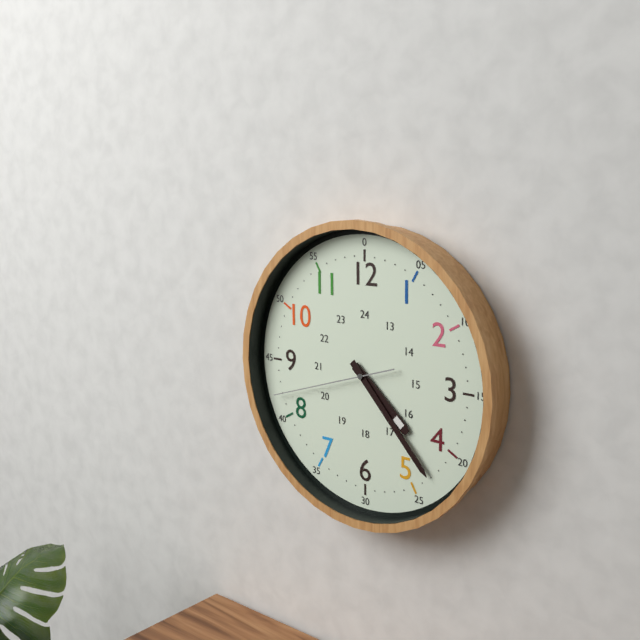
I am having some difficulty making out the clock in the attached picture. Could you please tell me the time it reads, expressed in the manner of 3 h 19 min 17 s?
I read 4 h 23 min 42 s
